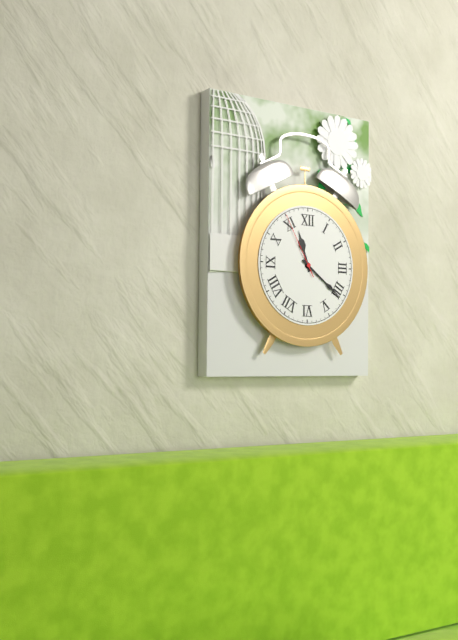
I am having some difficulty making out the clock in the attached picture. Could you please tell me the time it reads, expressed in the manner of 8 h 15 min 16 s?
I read 11 h 21 min 55 s
